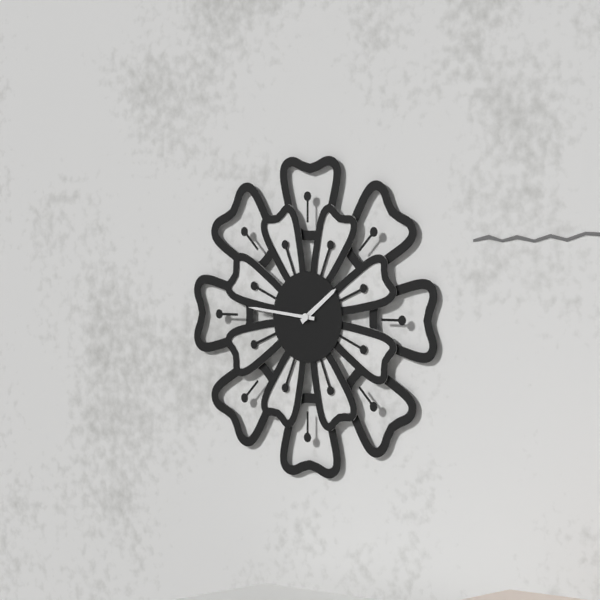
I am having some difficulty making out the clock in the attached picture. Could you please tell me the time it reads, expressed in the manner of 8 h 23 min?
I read 1 h 46 min
